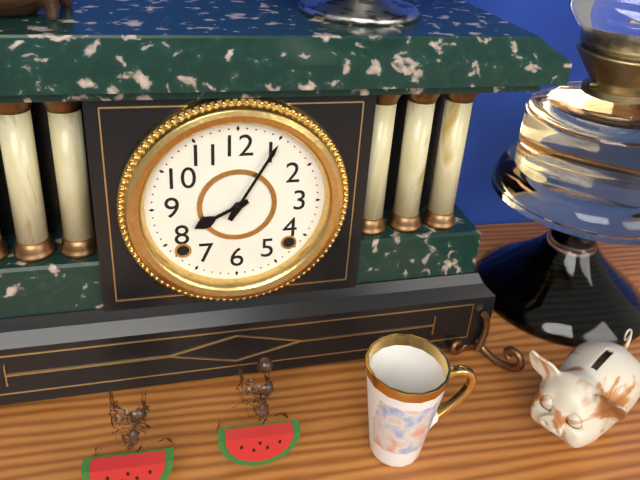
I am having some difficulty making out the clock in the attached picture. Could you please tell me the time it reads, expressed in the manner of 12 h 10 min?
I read 8 h 05 min
